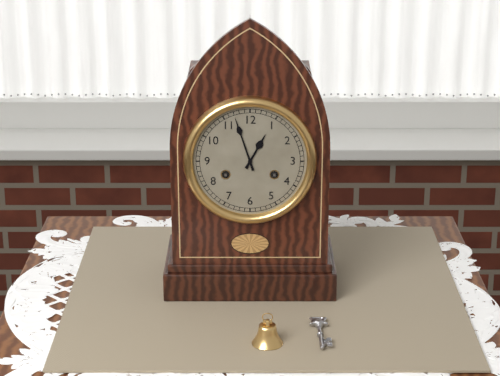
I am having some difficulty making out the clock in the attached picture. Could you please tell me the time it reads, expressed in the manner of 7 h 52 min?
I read 12 h 57 min
